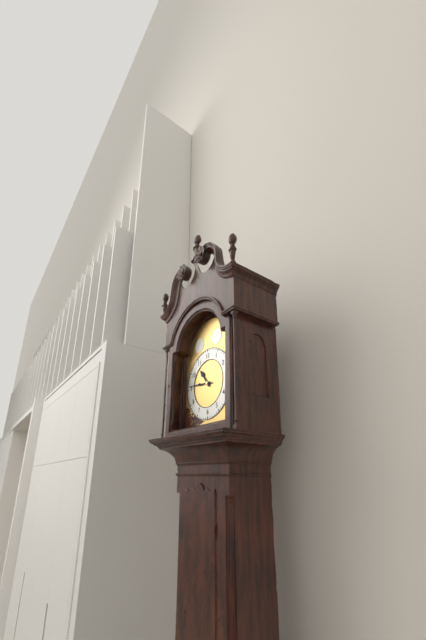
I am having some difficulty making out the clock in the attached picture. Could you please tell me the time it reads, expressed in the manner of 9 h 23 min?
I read 10 h 46 min
